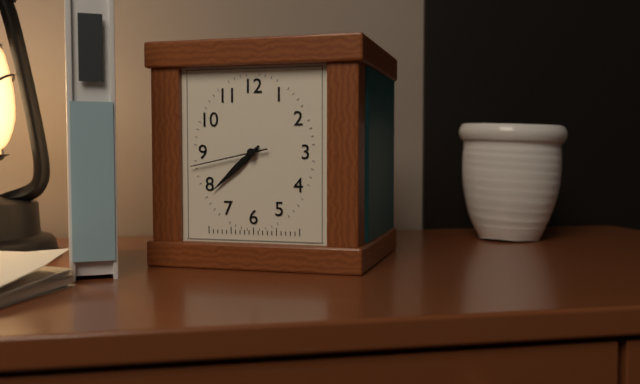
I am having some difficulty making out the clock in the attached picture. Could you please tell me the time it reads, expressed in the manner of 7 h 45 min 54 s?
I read 7 h 38 min 43 s
